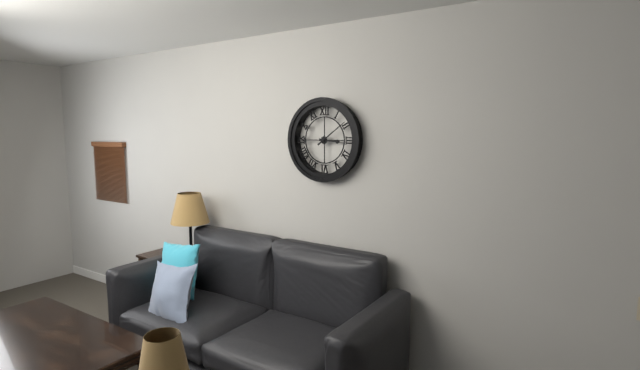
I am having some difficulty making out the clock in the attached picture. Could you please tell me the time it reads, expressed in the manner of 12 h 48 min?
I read 3 h 09 min
